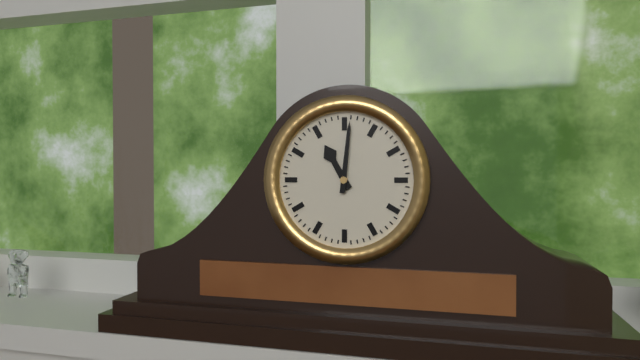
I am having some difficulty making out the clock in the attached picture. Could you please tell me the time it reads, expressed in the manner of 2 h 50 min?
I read 11 h 01 min
